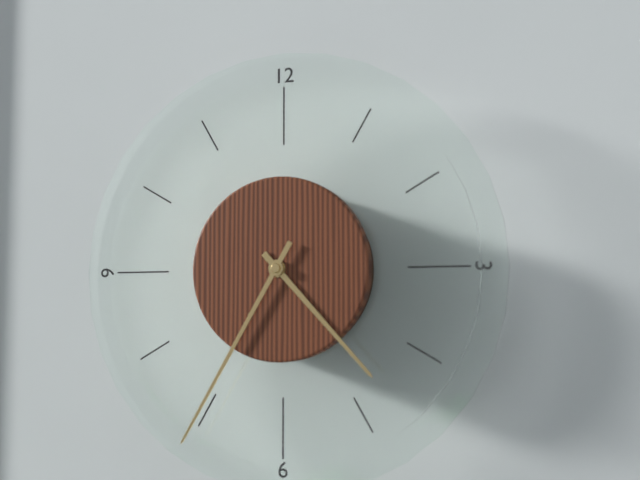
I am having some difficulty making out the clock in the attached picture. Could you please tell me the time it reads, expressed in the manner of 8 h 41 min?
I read 4 h 35 min
